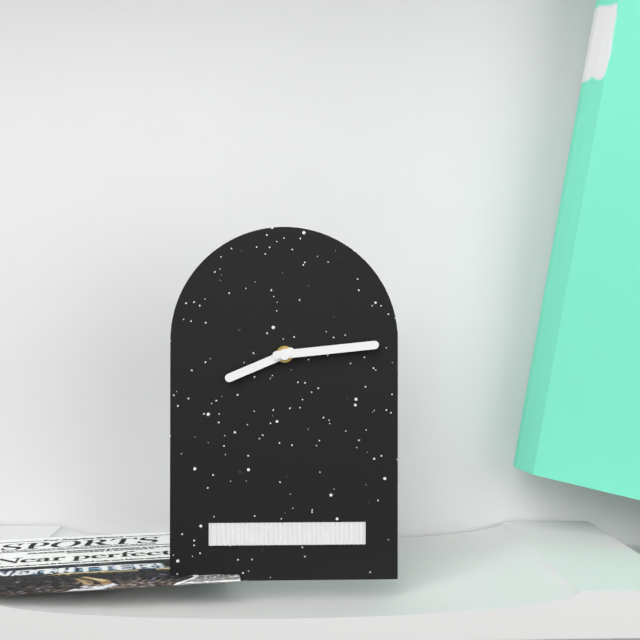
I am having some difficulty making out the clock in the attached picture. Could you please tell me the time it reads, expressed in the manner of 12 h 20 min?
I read 8 h 14 min
